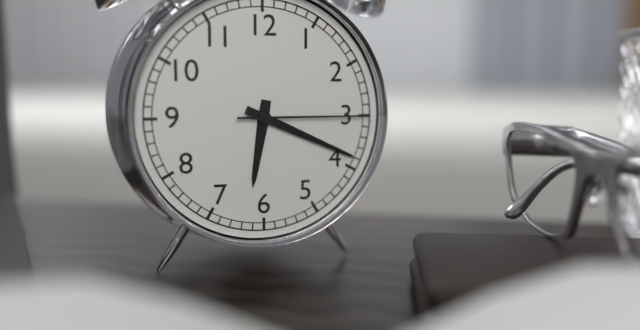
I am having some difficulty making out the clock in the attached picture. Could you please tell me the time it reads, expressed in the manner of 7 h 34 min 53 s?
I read 6 h 19 min 15 s
